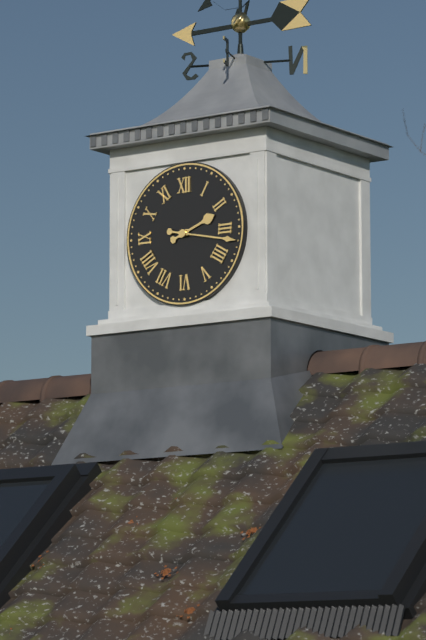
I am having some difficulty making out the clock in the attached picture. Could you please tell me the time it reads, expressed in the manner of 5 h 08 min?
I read 2 h 17 min
